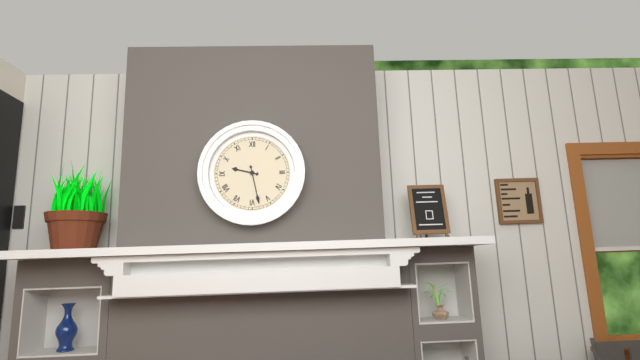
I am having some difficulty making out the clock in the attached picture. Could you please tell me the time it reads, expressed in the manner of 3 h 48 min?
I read 9 h 28 min
